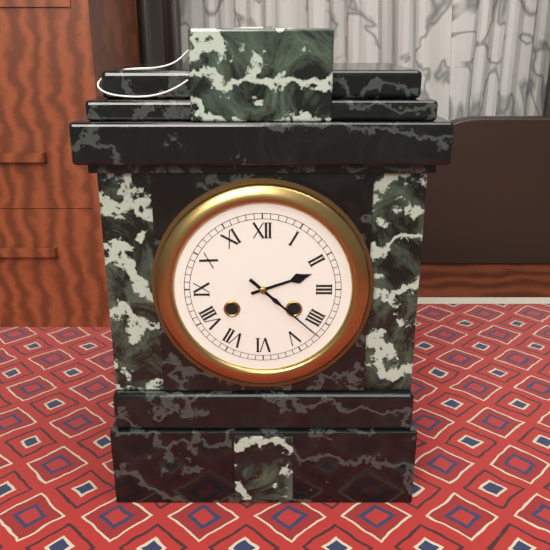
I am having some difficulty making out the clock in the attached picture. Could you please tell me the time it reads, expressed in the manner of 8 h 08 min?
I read 2 h 22 min
